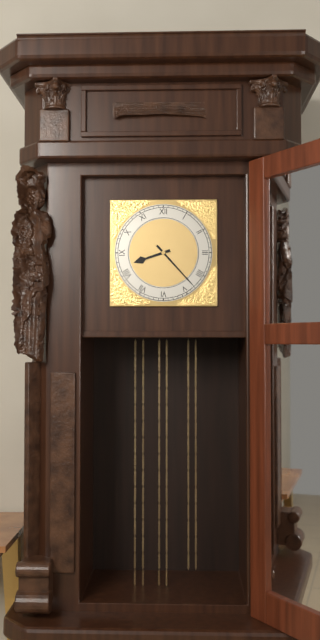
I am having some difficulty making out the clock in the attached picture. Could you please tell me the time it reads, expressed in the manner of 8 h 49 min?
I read 8 h 23 min
